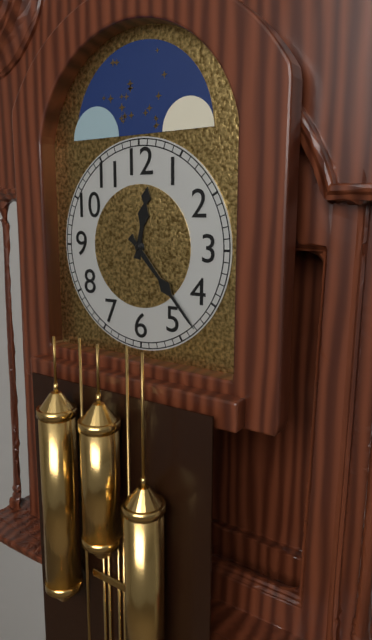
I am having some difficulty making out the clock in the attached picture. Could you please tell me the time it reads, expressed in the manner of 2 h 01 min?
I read 12 h 23 min
